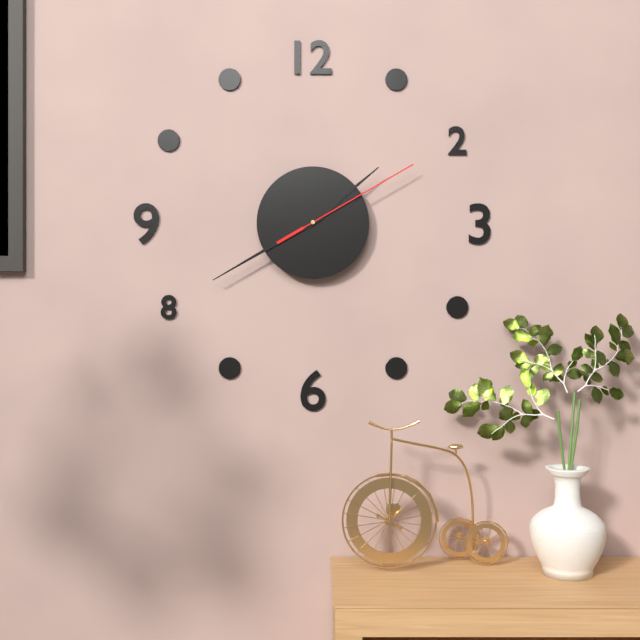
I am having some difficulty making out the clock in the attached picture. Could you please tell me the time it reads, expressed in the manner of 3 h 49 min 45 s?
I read 1 h 40 min 10 s
